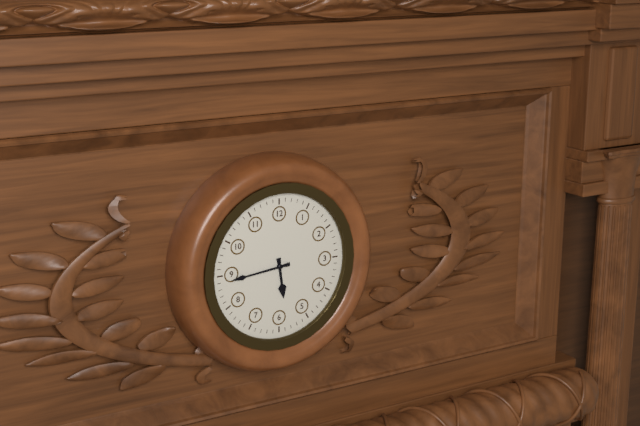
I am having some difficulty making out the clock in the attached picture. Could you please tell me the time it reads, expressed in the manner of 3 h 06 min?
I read 5 h 44 min
